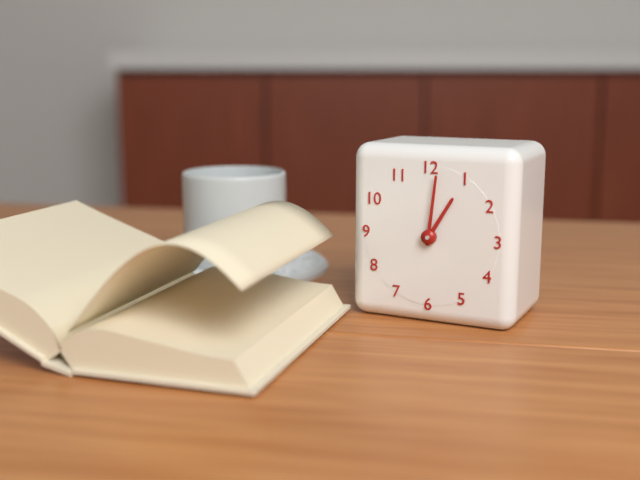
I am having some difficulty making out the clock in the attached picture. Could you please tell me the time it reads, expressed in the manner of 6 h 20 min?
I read 1 h 01 min
